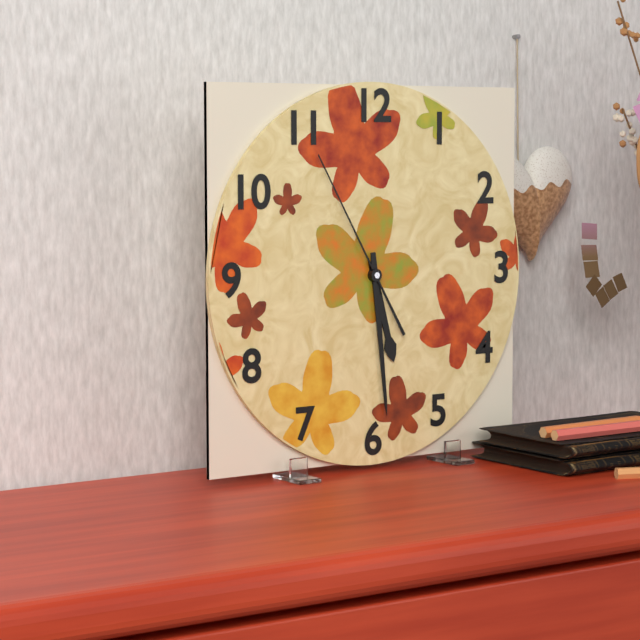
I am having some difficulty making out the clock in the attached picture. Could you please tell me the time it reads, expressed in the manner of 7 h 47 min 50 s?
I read 5 h 29 min 55 s
